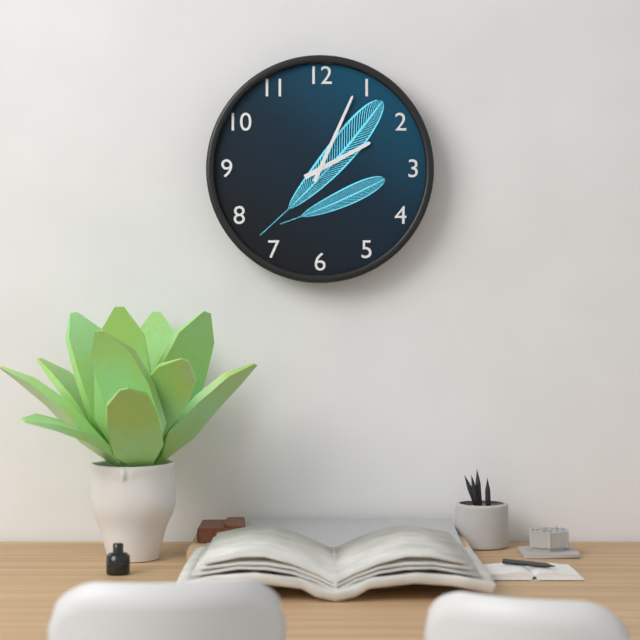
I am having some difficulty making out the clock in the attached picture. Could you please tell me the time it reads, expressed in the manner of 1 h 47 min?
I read 2 h 04 min
